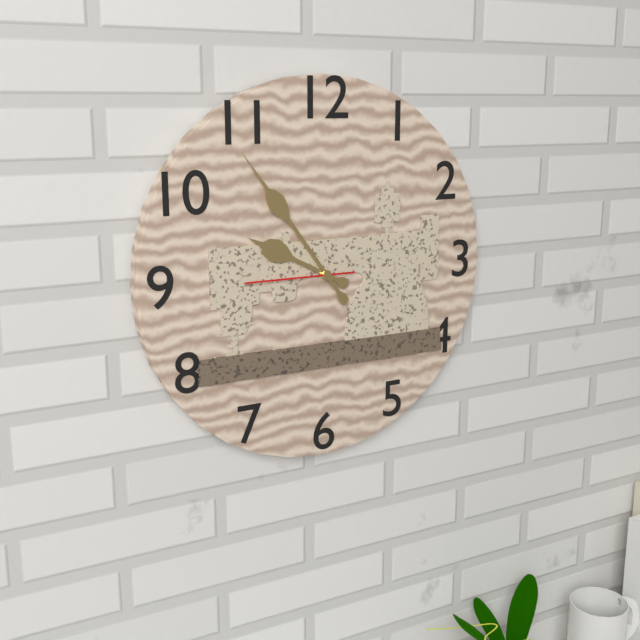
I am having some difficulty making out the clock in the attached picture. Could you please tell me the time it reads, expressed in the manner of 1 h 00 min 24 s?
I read 9 h 54 min 45 s
